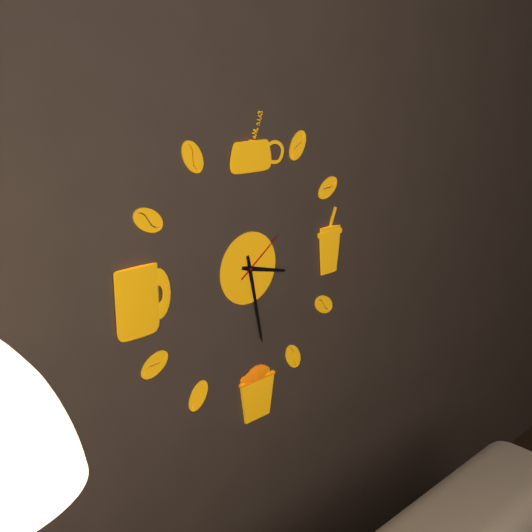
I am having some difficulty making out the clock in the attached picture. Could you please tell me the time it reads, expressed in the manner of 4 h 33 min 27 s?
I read 3 h 28 min 09 s
